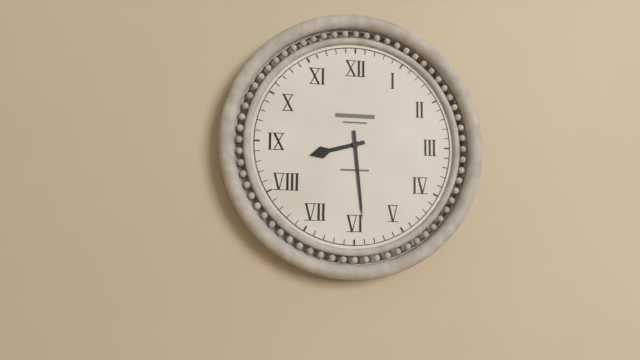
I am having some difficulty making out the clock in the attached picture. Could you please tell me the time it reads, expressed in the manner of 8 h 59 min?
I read 8 h 29 min
